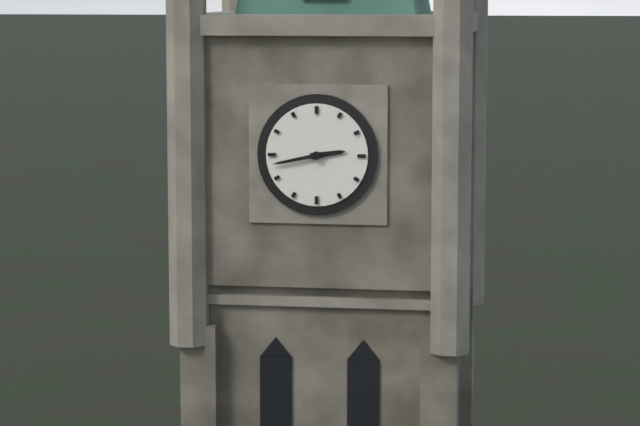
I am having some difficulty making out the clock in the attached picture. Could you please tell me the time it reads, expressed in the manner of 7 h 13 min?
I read 2 h 43 min
